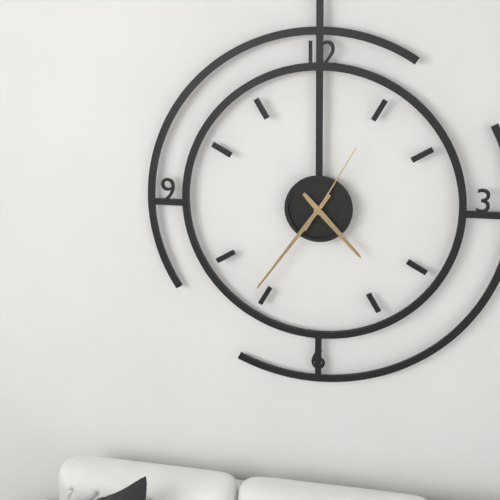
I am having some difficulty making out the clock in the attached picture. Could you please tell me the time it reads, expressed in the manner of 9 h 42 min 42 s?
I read 4 h 36 min 05 s
